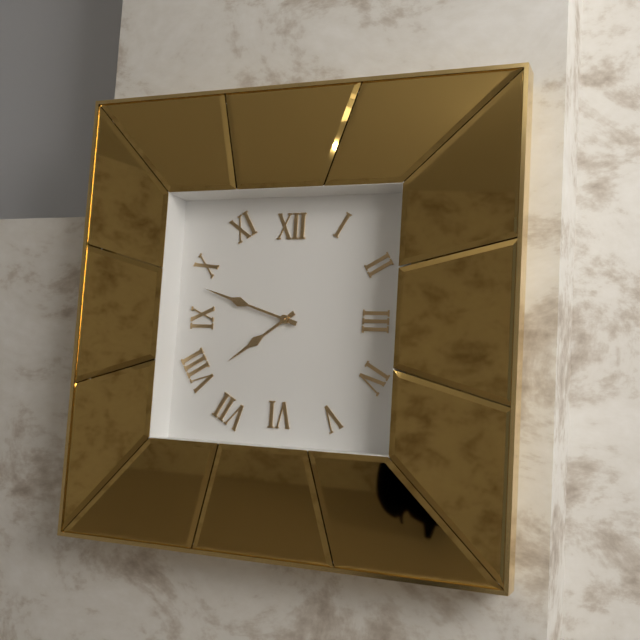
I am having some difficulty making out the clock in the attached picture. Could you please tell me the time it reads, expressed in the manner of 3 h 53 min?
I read 7 h 48 min
